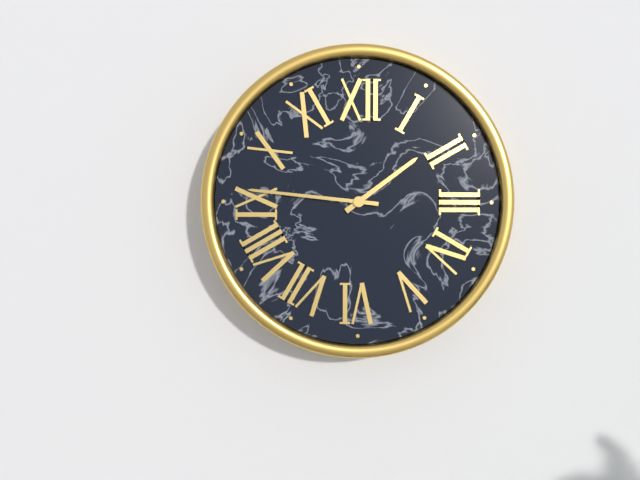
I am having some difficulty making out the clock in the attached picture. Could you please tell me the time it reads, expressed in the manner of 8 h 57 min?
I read 1 h 46 min
